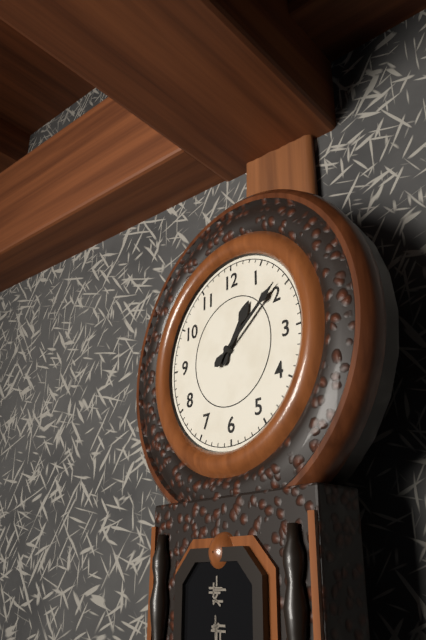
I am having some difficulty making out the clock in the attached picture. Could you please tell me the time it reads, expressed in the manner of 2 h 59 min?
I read 1 h 09 min
